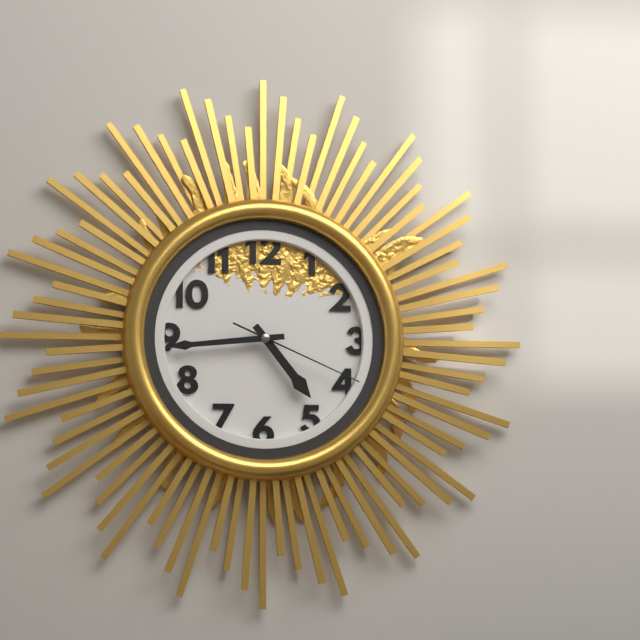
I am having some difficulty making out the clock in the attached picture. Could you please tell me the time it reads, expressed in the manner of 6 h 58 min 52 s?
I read 4 h 44 min 19 s
